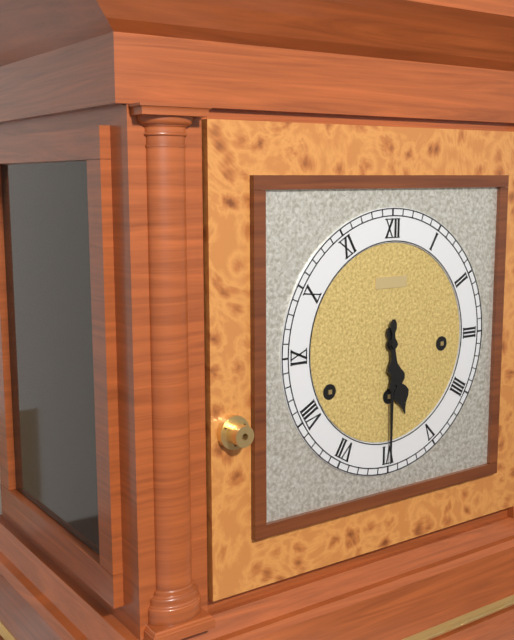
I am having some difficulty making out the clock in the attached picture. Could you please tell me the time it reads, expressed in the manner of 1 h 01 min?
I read 5 h 30 min
